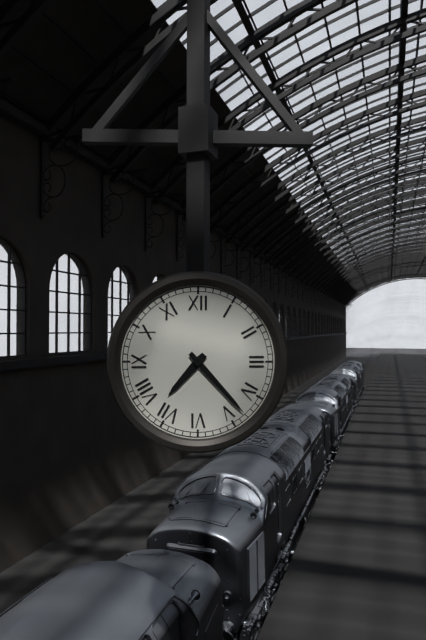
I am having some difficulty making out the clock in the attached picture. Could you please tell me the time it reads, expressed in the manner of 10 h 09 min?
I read 7 h 23 min
